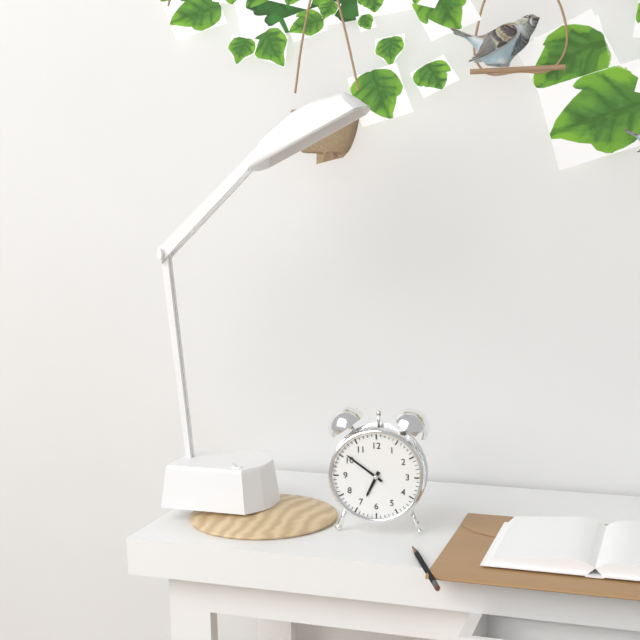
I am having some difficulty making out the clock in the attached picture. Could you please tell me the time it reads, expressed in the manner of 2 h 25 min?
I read 6 h 51 min
